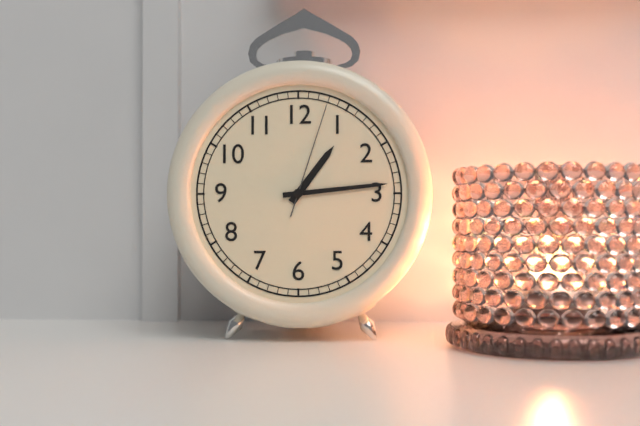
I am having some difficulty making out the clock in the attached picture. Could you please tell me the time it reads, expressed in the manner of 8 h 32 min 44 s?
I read 1 h 14 min 03 s
